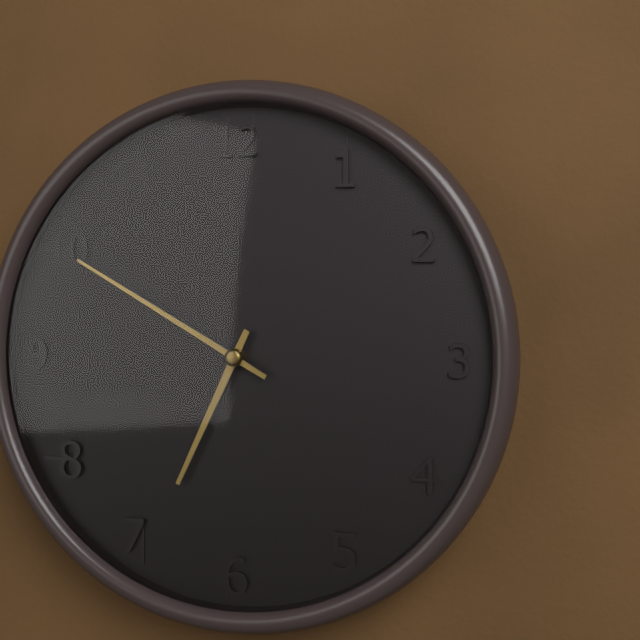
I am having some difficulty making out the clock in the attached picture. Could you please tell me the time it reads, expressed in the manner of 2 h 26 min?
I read 6 h 50 min
